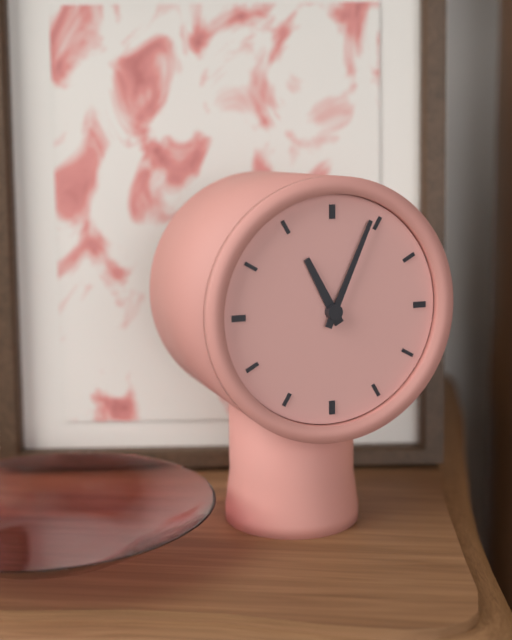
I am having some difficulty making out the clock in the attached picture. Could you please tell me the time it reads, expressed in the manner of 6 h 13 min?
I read 11 h 04 min
